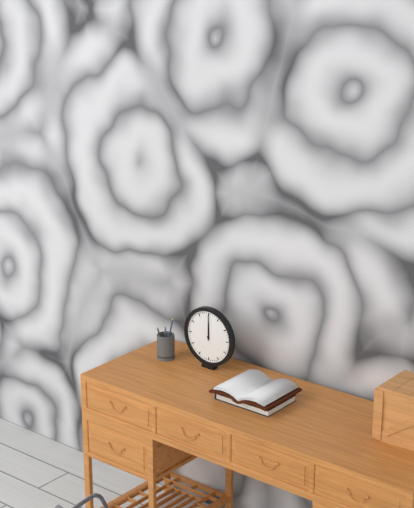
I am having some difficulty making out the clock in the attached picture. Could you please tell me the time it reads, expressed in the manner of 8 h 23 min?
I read 12 h 00 min
